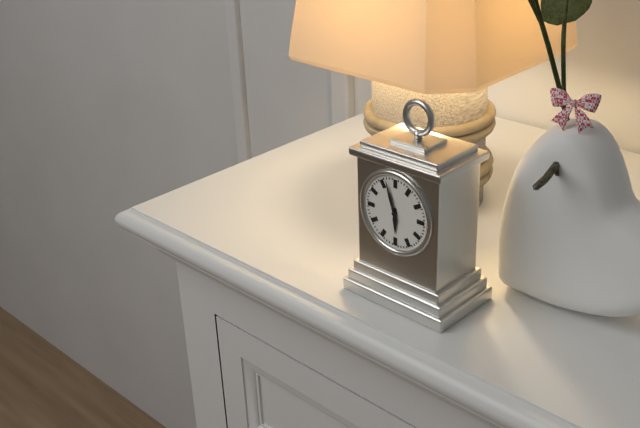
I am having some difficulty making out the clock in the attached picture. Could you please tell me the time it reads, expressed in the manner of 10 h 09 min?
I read 5 h 57 min
